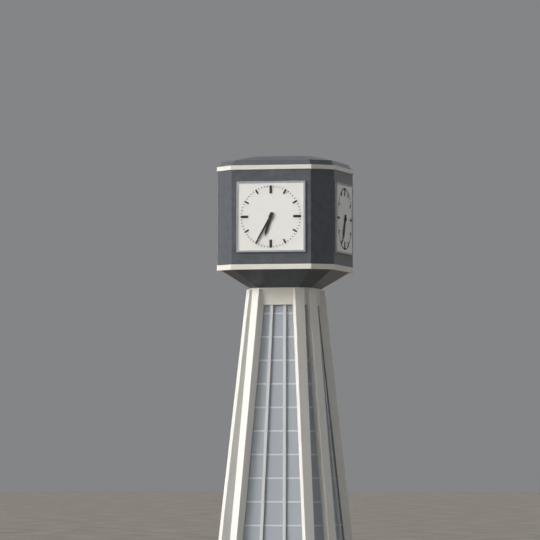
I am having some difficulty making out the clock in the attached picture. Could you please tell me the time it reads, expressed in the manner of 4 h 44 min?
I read 6 h 35 min
